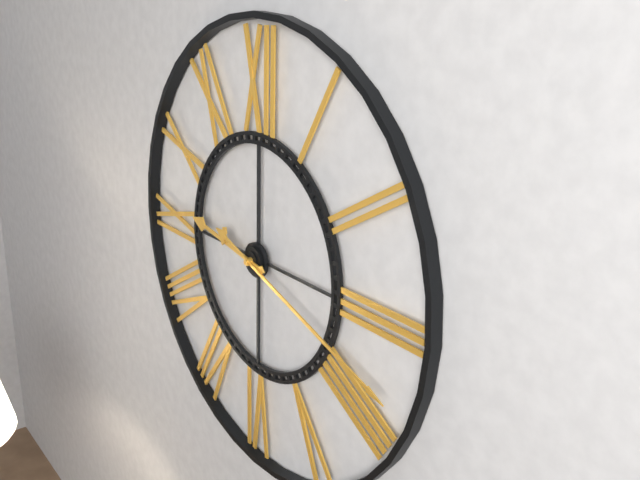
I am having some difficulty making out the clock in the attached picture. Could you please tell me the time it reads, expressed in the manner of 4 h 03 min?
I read 9 h 18 min
